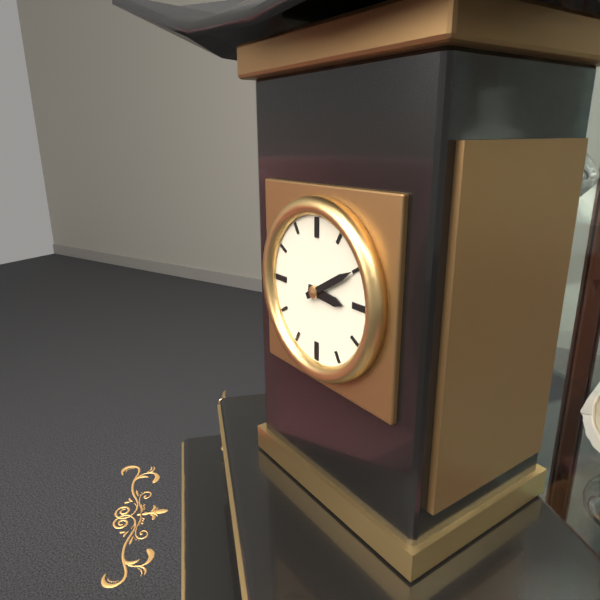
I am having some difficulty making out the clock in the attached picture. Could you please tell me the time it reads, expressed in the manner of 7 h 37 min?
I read 3 h 10 min
